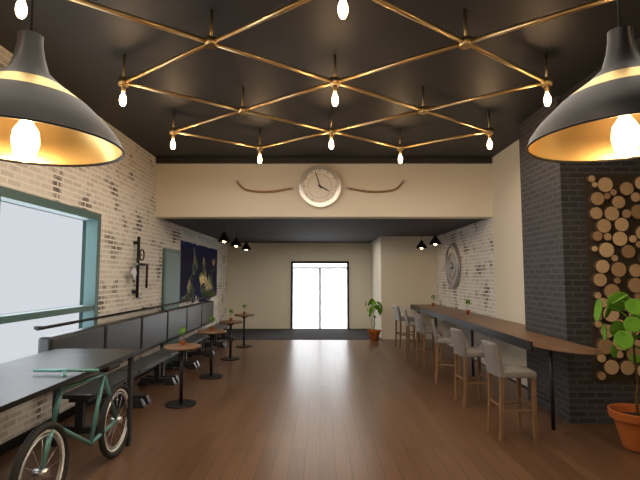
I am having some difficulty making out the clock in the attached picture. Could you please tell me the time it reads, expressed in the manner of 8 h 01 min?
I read 3 h 57 min
